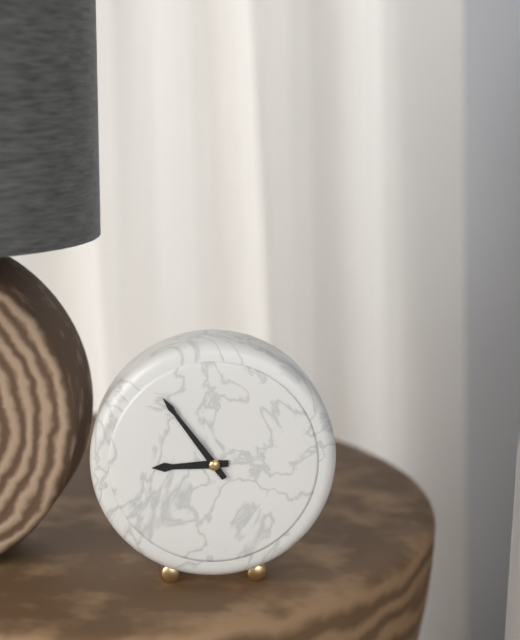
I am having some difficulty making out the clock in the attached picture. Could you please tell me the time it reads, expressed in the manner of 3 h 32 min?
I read 8 h 54 min
